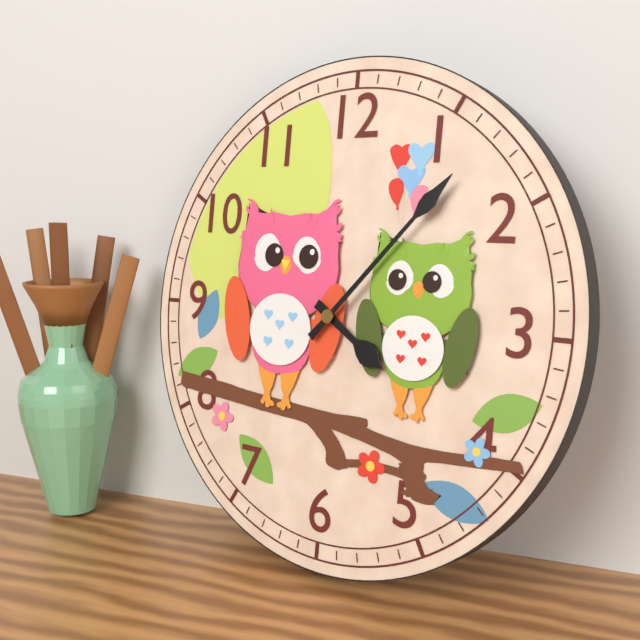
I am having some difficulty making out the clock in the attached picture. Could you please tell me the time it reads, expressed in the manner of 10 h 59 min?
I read 4 h 07 min
